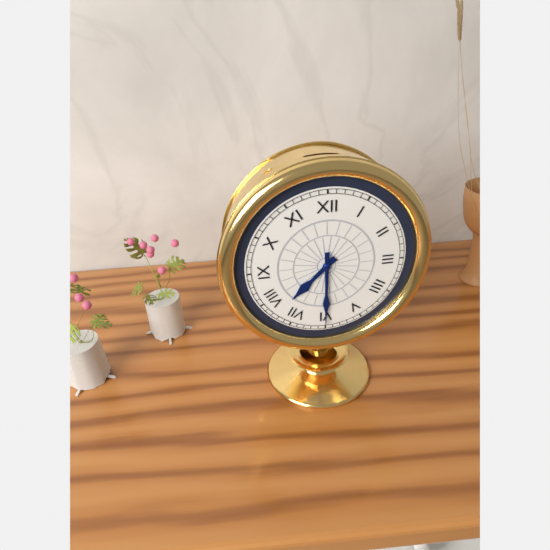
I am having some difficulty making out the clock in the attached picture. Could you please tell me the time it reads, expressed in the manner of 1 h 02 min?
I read 7 h 30 min
